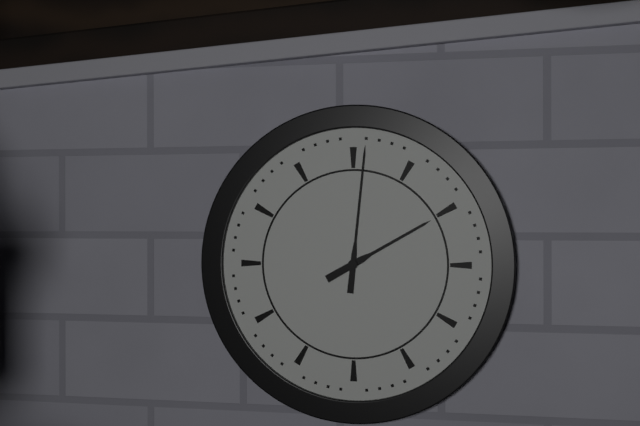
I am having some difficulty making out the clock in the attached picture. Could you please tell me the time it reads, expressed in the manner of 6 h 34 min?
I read 2 h 01 min
